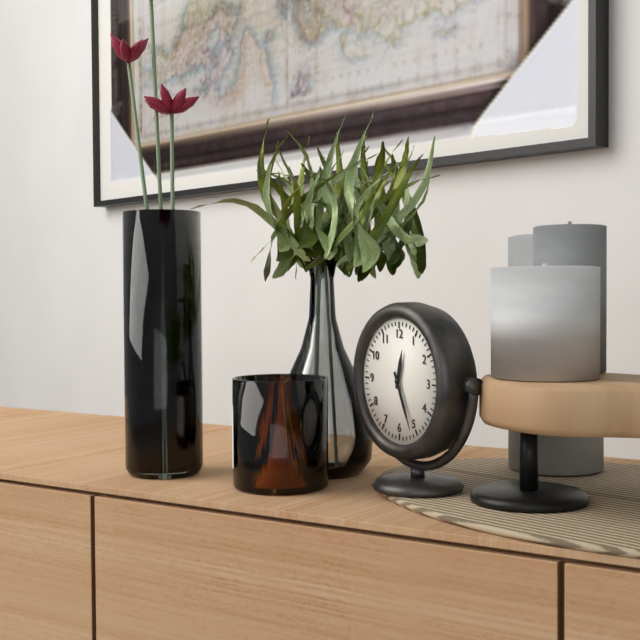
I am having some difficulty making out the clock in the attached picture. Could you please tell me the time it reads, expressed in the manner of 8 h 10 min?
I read 12 h 26 min
